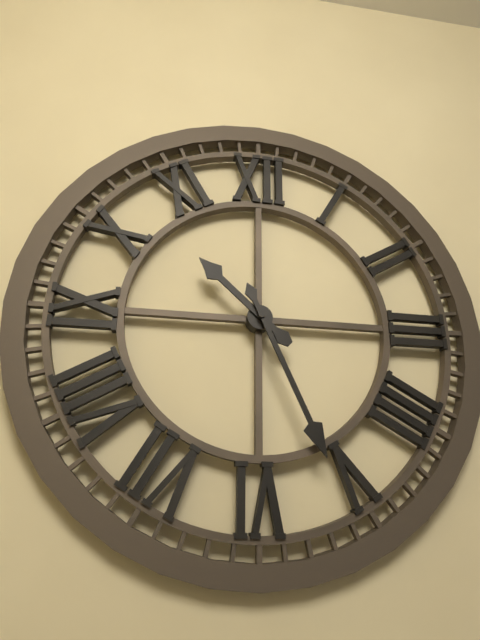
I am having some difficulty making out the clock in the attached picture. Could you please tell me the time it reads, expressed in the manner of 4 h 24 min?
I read 10 h 26 min
